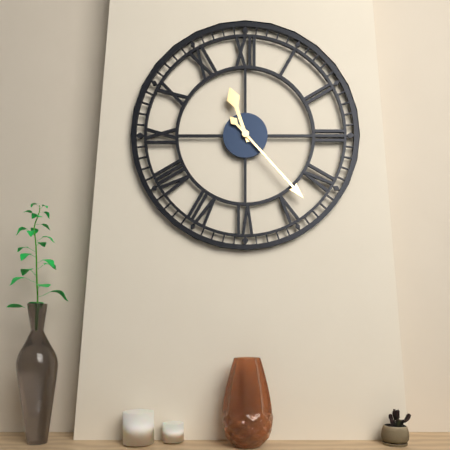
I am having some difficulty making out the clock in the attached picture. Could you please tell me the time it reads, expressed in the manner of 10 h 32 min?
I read 11 h 23 min
